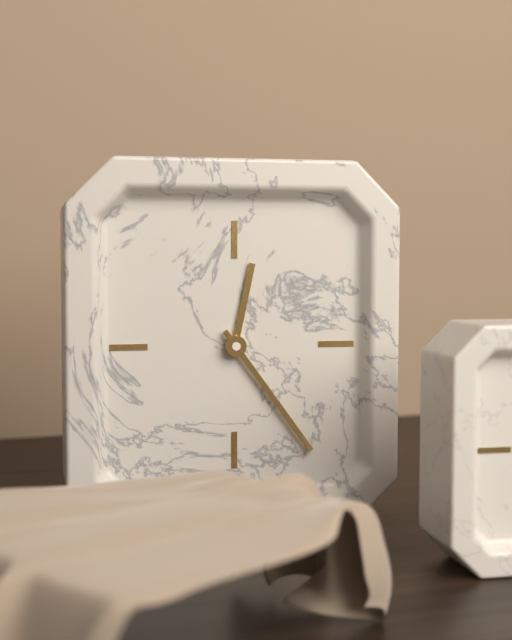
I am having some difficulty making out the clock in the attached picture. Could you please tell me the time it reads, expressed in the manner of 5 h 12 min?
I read 12 h 24 min
